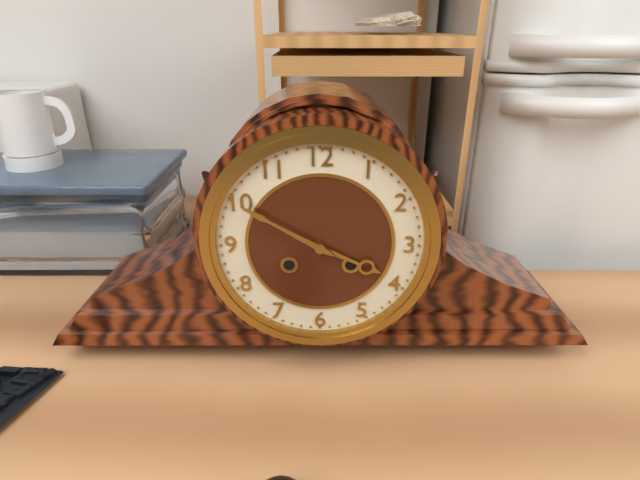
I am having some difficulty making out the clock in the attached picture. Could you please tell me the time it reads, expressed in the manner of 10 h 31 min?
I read 3 h 50 min
